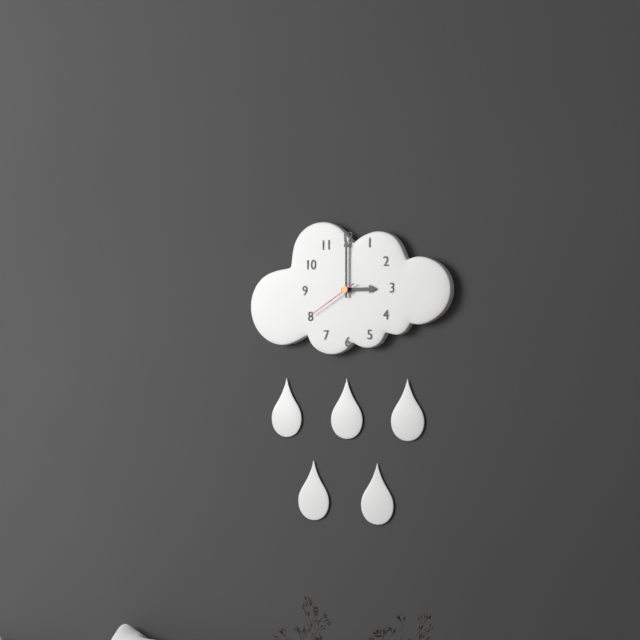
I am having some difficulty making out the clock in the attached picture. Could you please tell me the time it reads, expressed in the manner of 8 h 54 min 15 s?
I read 3 h 00 min 40 s
